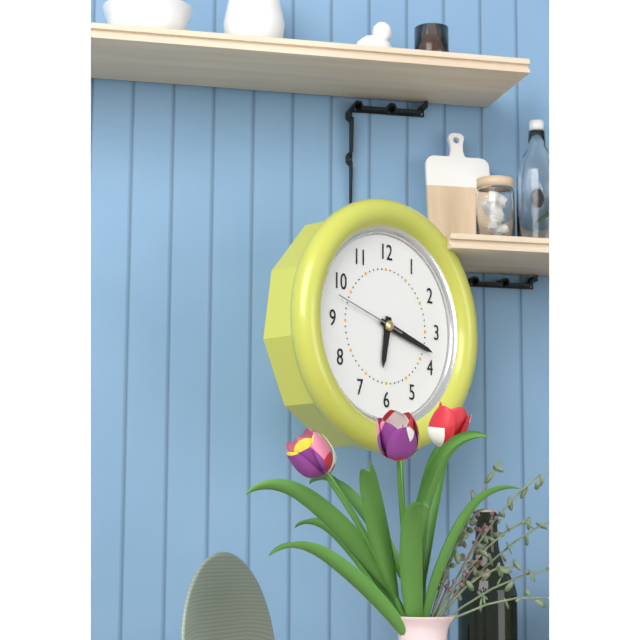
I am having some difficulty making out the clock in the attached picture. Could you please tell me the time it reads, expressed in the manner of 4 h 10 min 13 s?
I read 6 h 18 min 48 s
